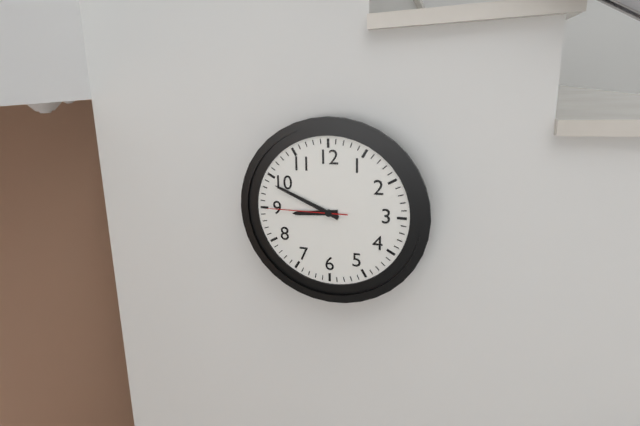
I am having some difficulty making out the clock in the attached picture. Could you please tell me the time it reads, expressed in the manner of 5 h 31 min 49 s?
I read 8 h 49 min 45 s
